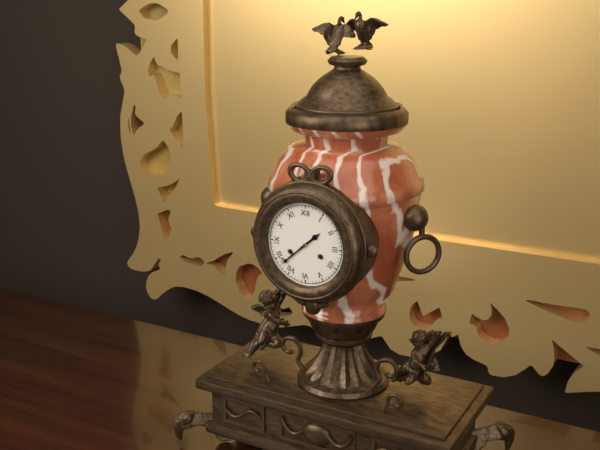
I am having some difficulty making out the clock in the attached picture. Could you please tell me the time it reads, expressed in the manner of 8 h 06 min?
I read 1 h 38 min
